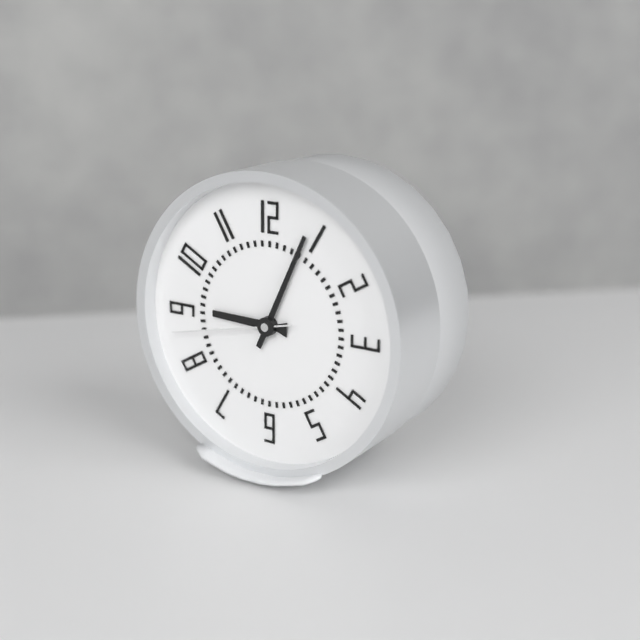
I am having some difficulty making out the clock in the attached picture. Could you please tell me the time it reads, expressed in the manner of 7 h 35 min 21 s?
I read 9 h 04 min 43 s
